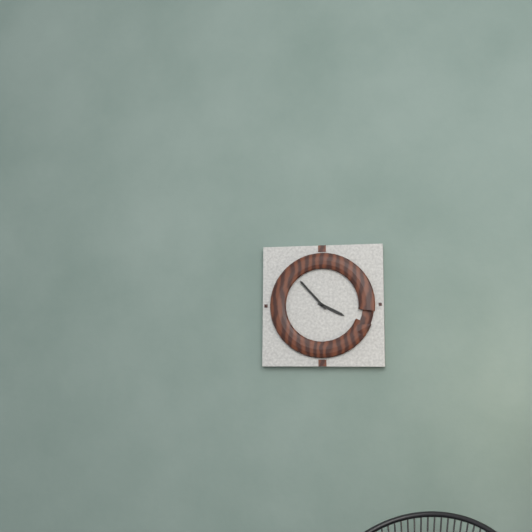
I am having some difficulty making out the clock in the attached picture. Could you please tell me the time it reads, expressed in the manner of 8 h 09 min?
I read 3 h 53 min
